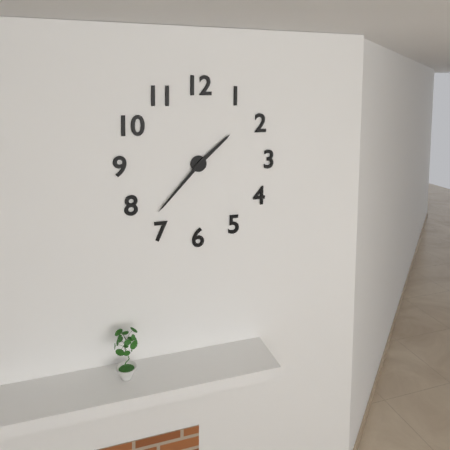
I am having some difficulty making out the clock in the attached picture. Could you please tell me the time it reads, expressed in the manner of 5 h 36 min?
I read 1 h 37 min
